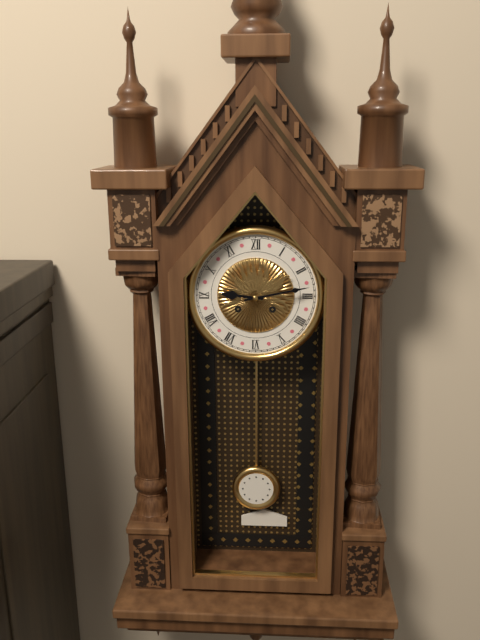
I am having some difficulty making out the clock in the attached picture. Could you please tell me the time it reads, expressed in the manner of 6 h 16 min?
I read 9 h 13 min
